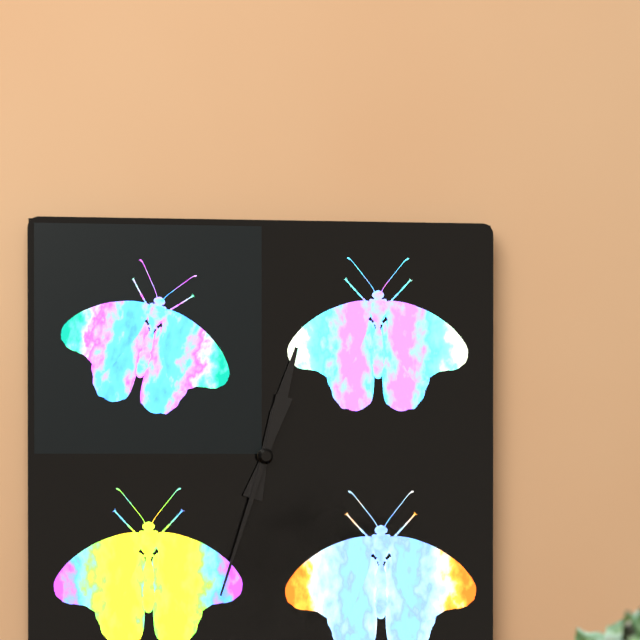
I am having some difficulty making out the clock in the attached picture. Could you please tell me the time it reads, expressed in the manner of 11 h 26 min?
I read 12 h 33 min
